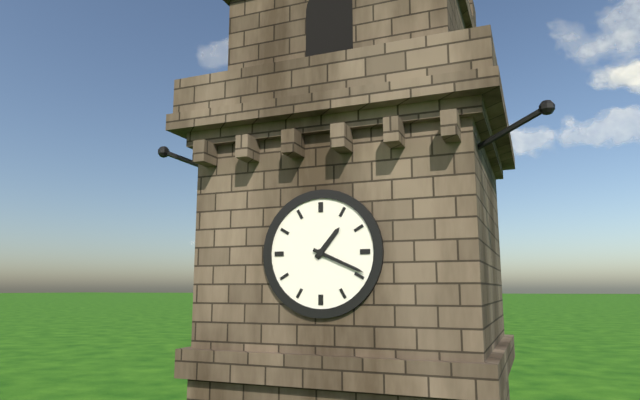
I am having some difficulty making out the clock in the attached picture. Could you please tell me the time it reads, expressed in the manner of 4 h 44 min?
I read 1 h 19 min
